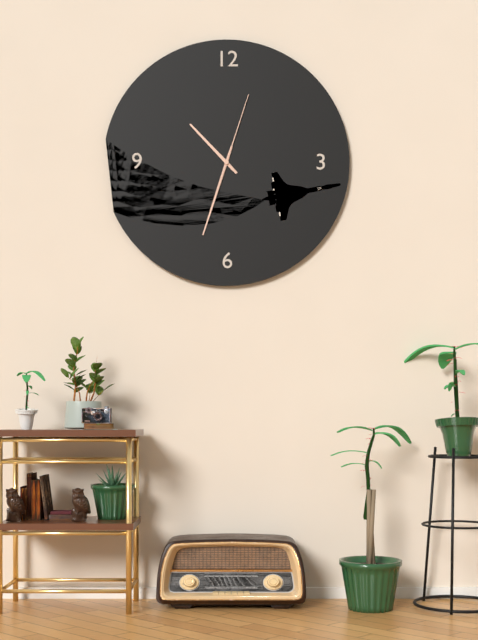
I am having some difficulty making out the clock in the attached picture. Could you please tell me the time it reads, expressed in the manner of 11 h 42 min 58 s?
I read 10 h 33 min 03 s
